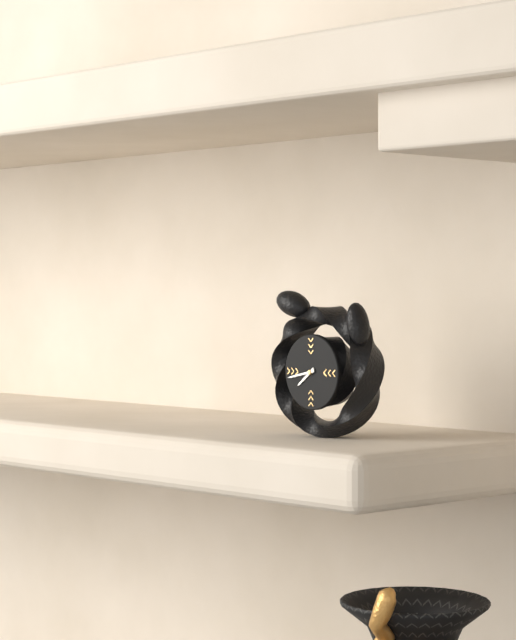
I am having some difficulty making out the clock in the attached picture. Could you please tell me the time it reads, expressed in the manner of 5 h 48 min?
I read 7 h 43 min
